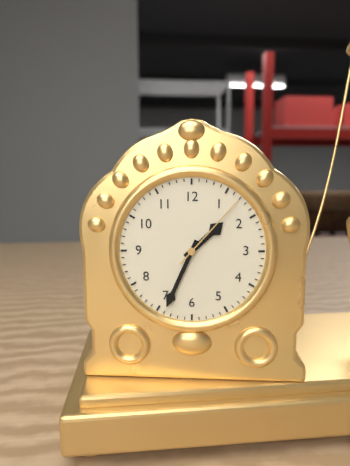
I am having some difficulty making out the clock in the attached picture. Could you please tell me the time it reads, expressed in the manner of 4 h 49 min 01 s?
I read 1 h 34 min 07 s
